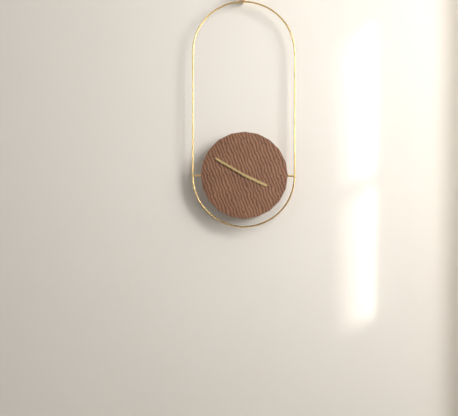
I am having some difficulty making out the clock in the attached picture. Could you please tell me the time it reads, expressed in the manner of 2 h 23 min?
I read 3 h 50 min
